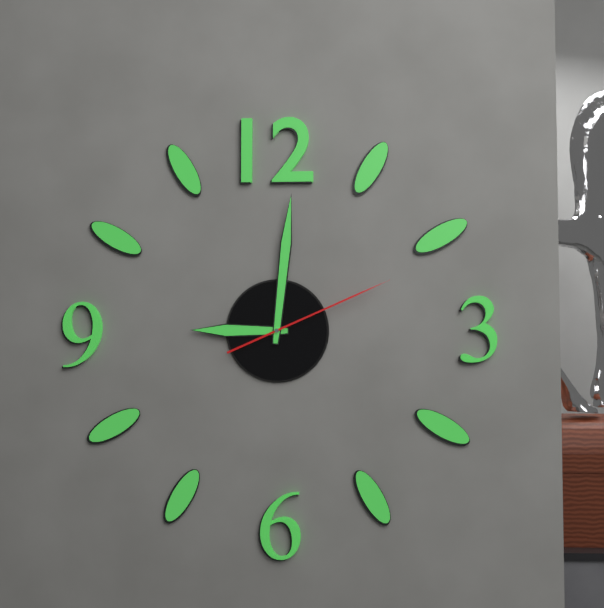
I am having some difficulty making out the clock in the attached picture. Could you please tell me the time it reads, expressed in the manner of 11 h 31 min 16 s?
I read 9 h 01 min 11 s
